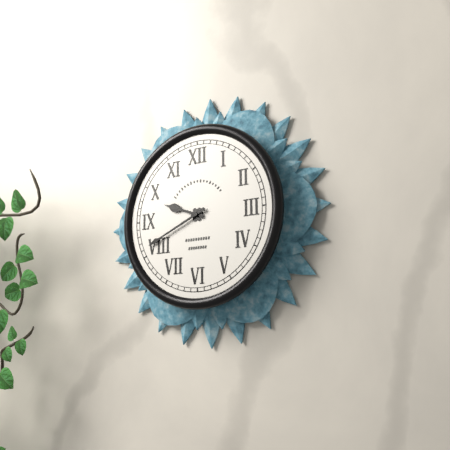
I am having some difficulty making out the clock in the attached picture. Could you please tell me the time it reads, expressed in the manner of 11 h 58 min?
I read 9 h 41 min
